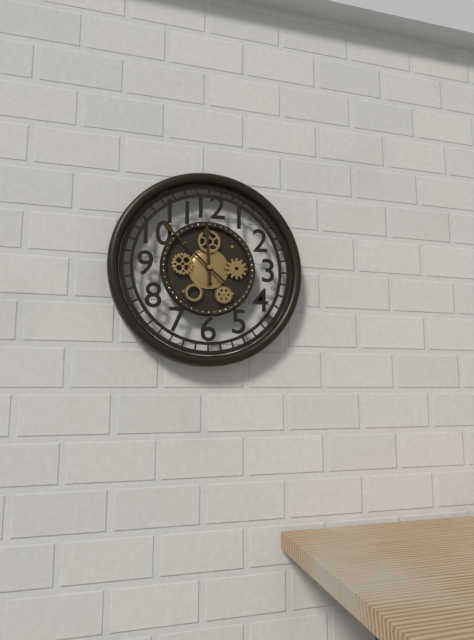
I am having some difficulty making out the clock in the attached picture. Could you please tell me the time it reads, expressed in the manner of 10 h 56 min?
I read 11 h 52 min
